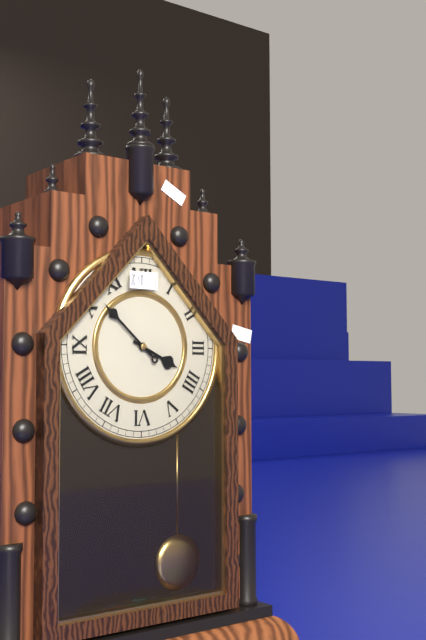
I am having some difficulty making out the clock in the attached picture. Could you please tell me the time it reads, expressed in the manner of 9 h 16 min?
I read 3 h 52 min
